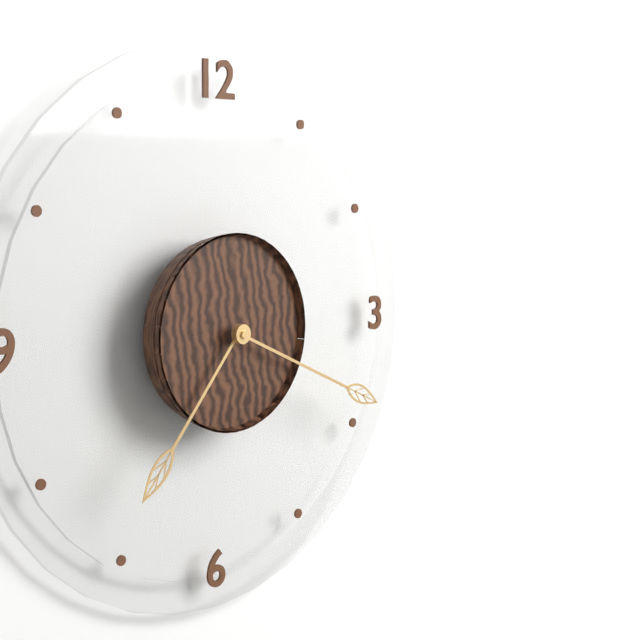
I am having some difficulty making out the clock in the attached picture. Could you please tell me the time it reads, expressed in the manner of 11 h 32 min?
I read 7 h 19 min
